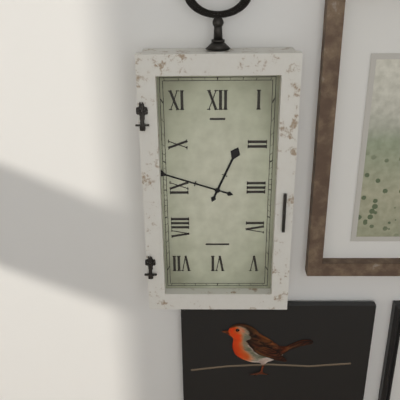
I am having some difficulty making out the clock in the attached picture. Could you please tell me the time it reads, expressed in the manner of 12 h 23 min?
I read 12 h 48 min
